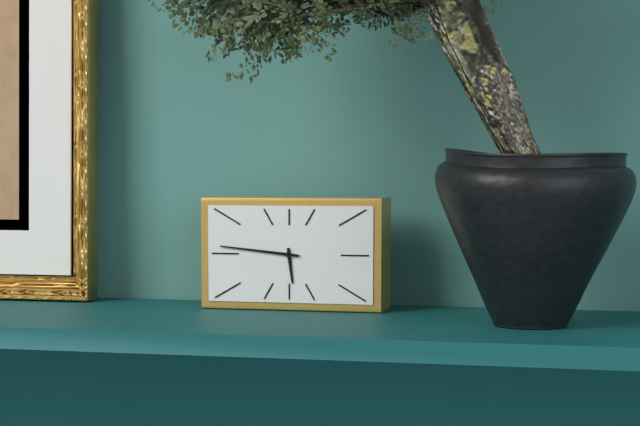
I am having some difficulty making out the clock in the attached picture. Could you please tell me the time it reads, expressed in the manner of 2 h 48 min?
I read 5 h 46 min
